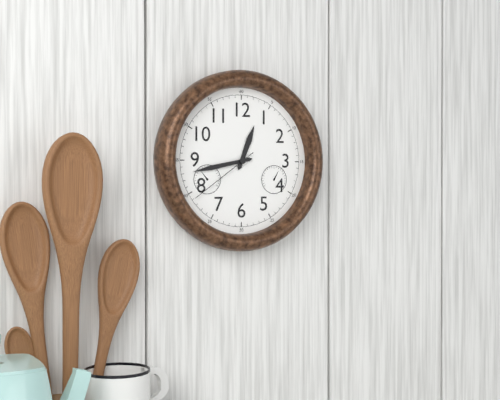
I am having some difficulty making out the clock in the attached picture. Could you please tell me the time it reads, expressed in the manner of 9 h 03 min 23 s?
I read 12 h 43 min 39 s
